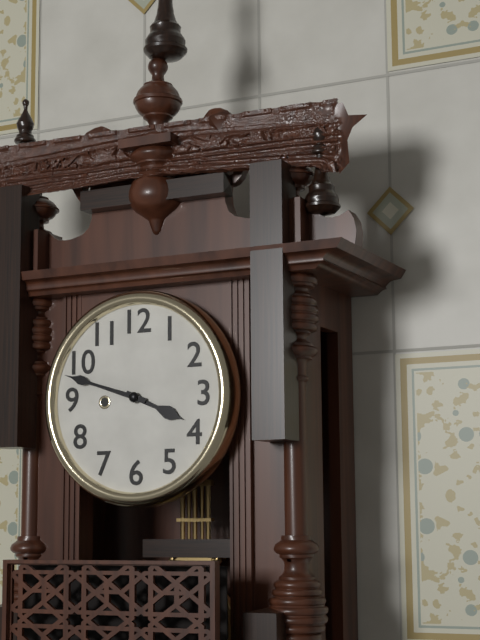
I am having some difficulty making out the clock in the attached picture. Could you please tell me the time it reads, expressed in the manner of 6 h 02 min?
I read 3 h 48 min
